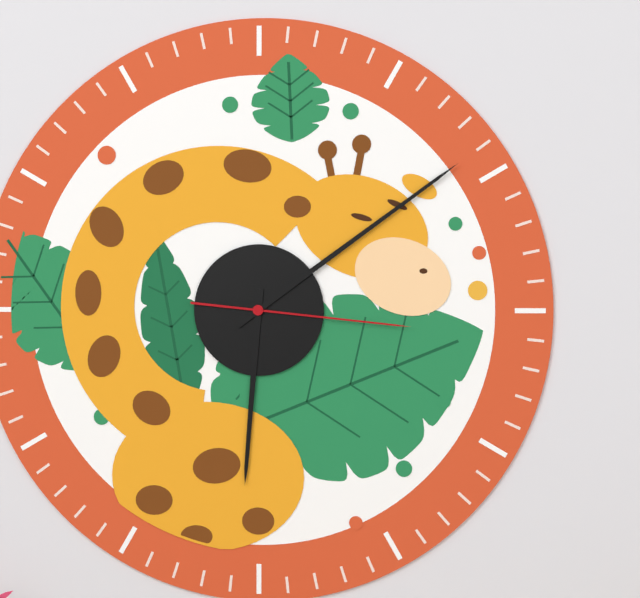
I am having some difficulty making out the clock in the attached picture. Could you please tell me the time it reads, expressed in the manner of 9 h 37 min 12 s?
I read 6 h 09 min 16 s
